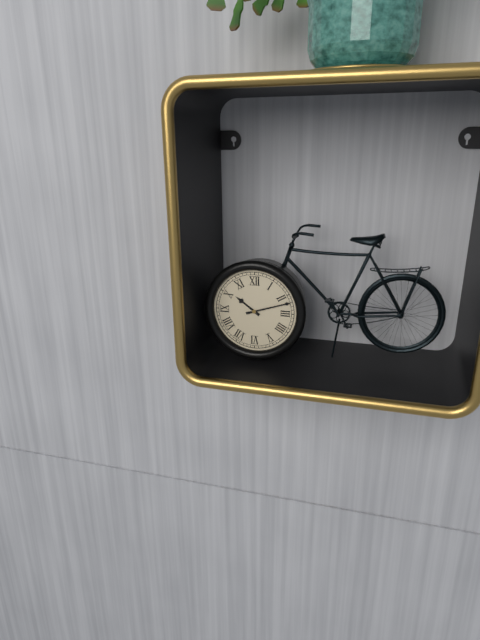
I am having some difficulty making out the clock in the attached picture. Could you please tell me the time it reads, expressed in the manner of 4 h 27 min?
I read 10 h 12 min
